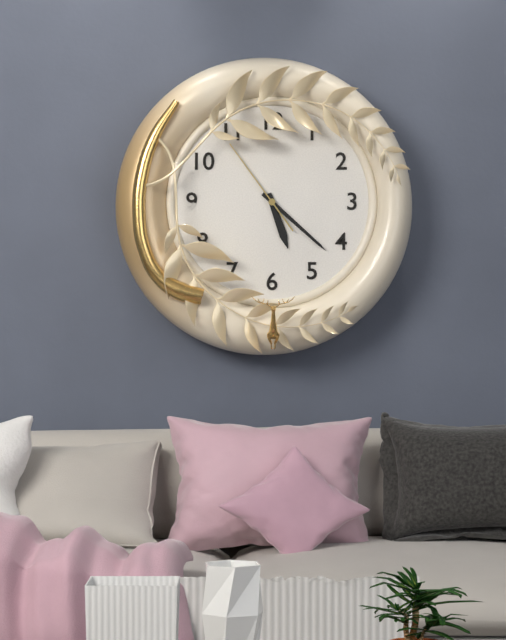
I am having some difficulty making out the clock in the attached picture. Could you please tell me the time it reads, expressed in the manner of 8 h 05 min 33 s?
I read 5 h 22 min 54 s
